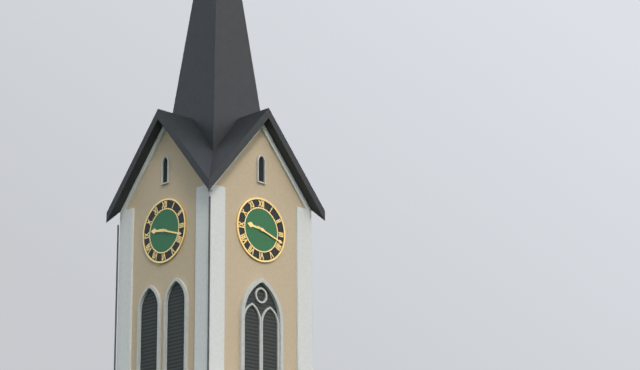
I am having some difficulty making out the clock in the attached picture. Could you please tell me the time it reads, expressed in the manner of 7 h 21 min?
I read 9 h 18 min
